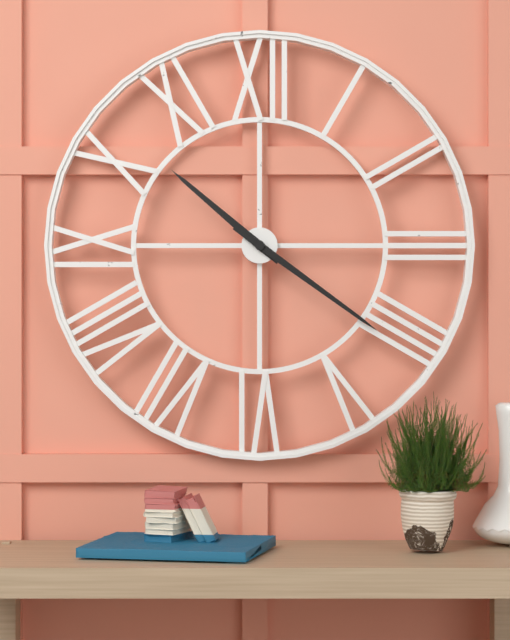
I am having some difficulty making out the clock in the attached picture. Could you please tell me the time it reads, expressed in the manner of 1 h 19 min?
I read 10 h 21 min
